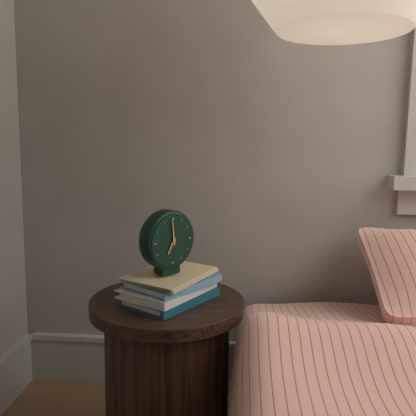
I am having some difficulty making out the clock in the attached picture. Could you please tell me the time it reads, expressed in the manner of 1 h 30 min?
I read 6 h 59 min
